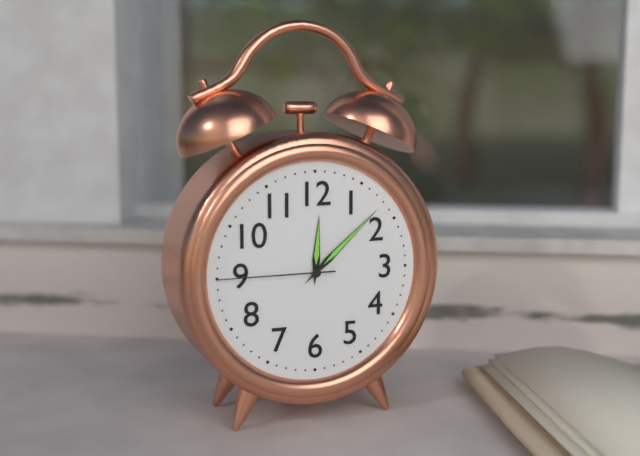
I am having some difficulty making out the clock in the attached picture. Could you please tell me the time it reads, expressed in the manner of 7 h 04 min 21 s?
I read 12 h 08 min 45 s
